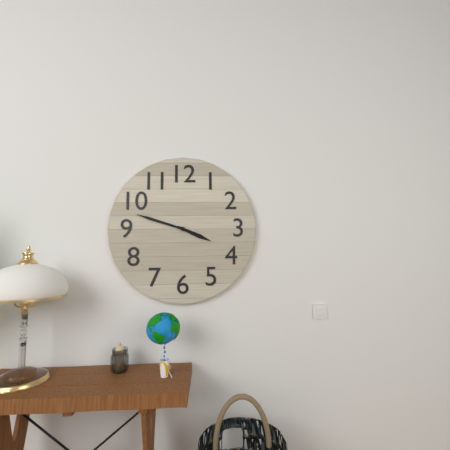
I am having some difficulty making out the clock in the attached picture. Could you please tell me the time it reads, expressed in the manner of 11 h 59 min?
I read 3 h 48 min
